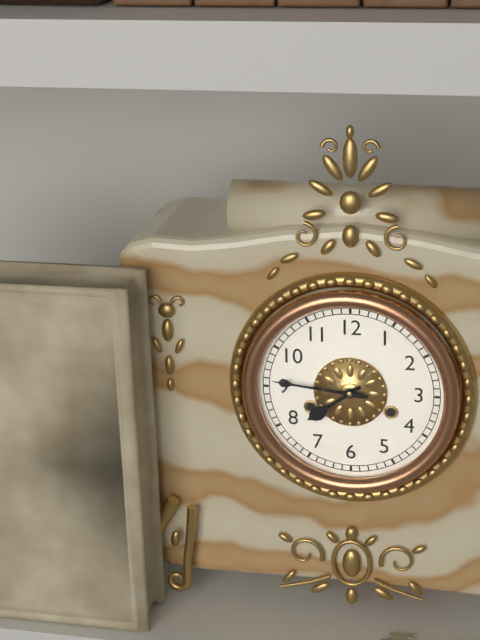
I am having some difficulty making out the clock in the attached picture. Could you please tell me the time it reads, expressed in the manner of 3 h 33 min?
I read 7 h 46 min
